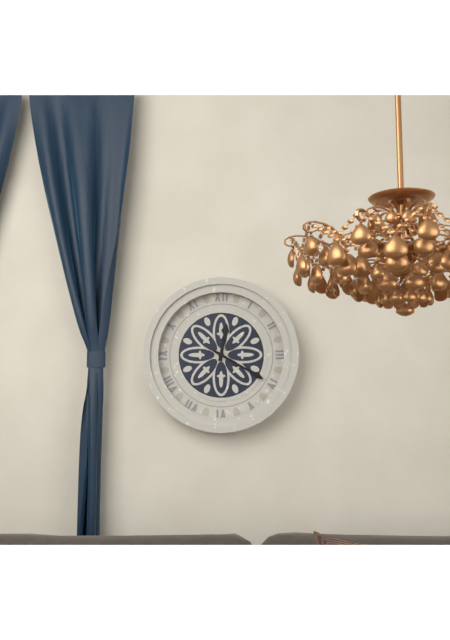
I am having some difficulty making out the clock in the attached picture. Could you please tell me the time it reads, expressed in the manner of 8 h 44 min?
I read 12 h 20 min
